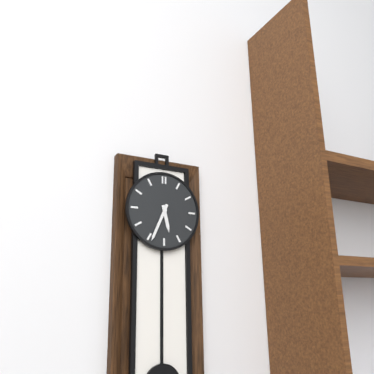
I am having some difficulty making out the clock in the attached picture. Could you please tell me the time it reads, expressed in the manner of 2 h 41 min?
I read 5 h 34 min
